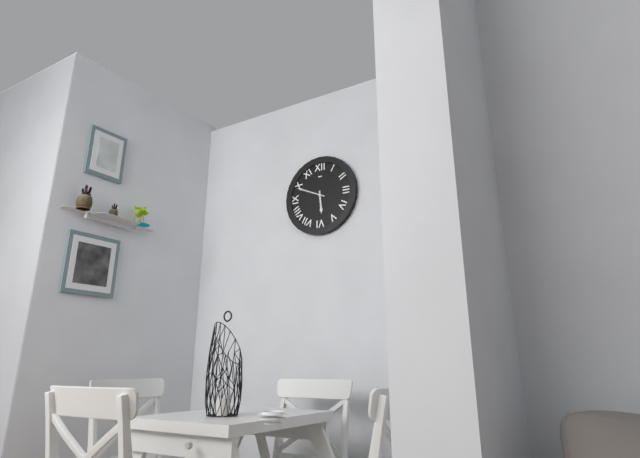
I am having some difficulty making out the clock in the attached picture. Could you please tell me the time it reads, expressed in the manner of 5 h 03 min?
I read 5 h 49 min
